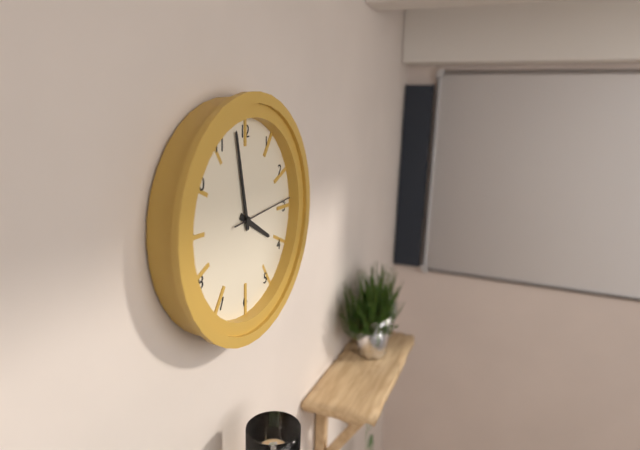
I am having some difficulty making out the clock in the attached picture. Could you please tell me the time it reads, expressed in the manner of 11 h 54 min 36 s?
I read 3 h 58 min 14 s
